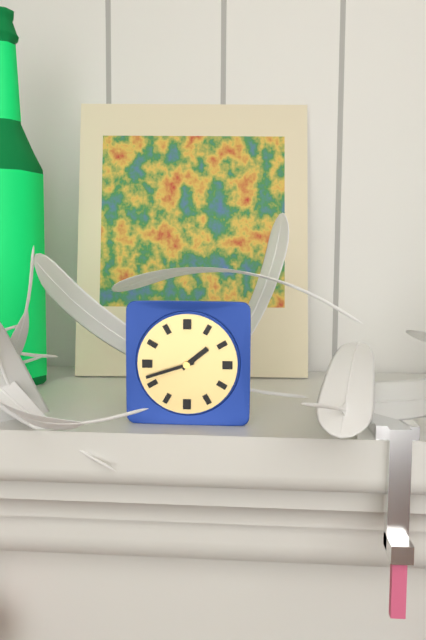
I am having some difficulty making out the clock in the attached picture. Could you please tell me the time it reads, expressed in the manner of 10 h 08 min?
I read 1 h 42 min
